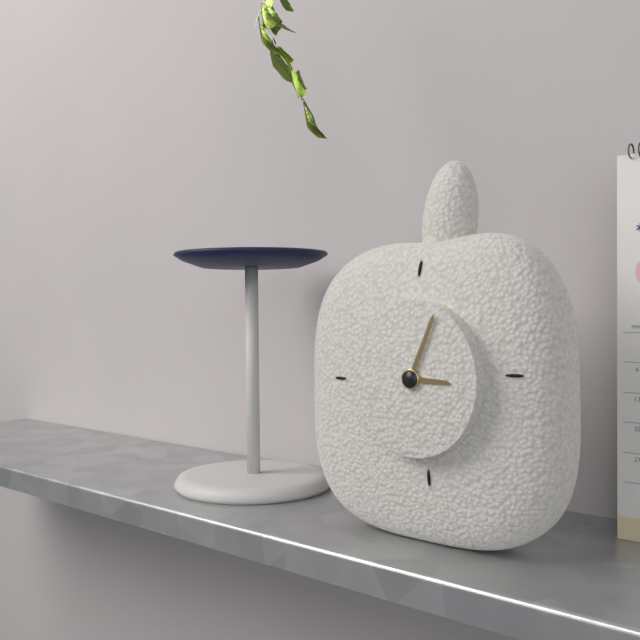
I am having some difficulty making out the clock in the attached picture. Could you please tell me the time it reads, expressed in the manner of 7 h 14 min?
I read 3 h 04 min
